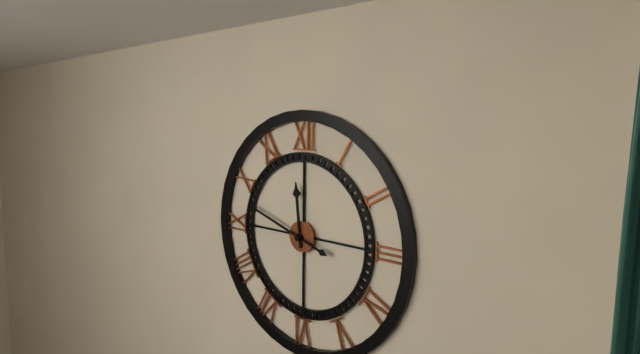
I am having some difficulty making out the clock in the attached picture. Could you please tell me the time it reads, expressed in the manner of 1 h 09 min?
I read 11 h 48 min
